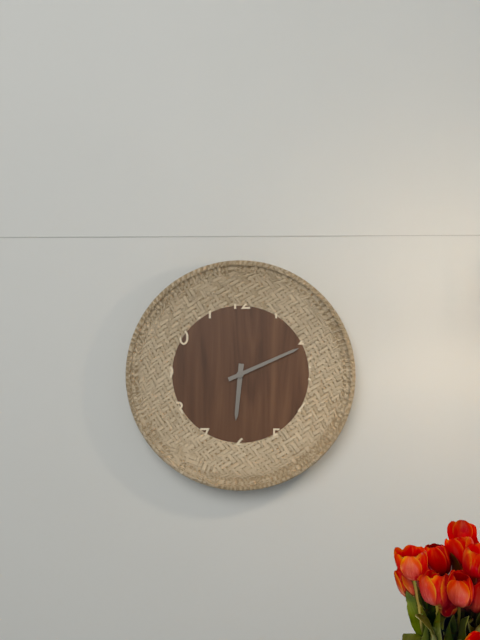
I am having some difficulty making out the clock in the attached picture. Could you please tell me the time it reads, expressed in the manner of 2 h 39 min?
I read 6 h 11 min
